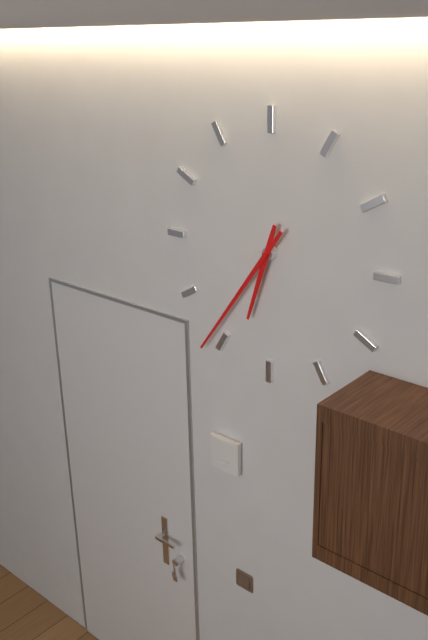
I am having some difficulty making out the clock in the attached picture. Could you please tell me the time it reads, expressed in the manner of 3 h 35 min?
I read 6 h 36 min
